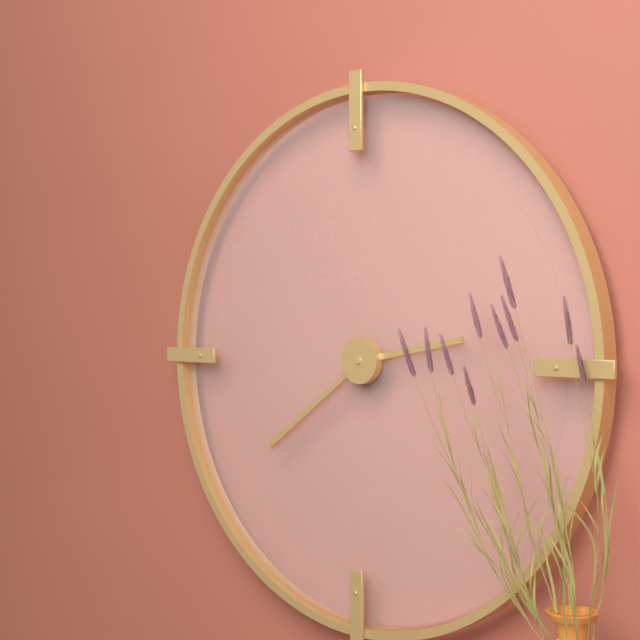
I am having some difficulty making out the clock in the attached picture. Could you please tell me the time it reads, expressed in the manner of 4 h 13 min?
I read 2 h 39 min
